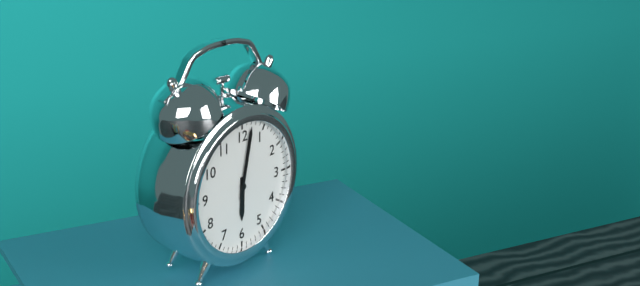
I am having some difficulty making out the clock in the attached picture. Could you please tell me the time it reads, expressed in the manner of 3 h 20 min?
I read 6 h 02 min
